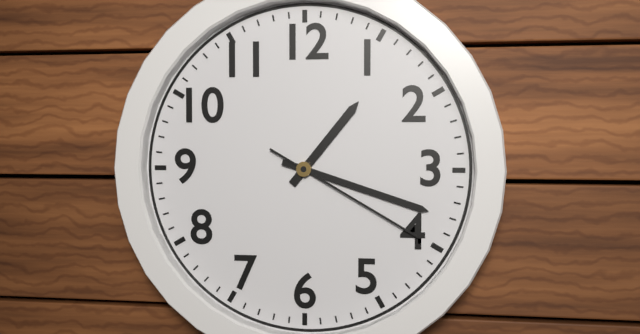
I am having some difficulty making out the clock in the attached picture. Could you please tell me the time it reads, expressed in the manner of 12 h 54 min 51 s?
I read 1 h 18 min 20 s
